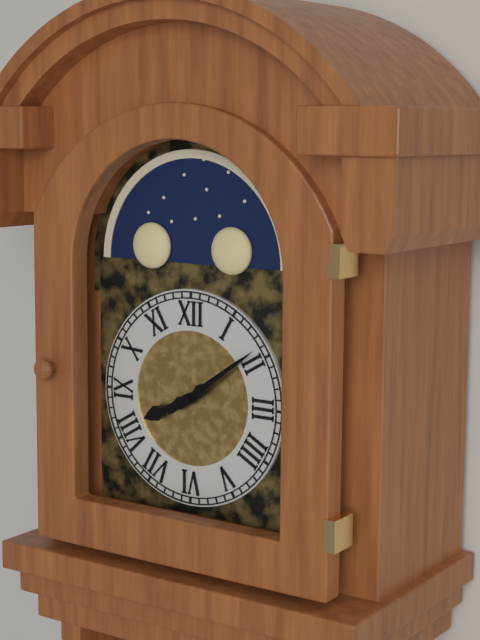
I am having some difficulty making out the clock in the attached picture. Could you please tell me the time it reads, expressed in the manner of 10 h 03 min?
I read 8 h 09 min
